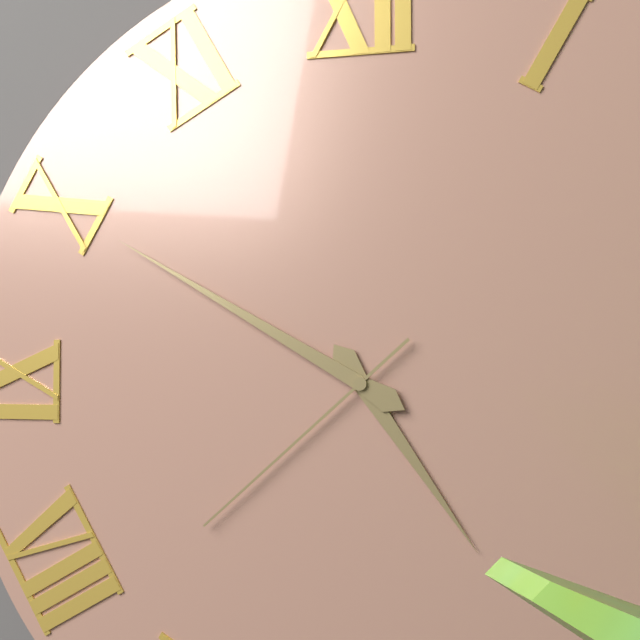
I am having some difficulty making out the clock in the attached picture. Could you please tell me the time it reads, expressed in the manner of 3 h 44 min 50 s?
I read 4 h 50 min 38 s
